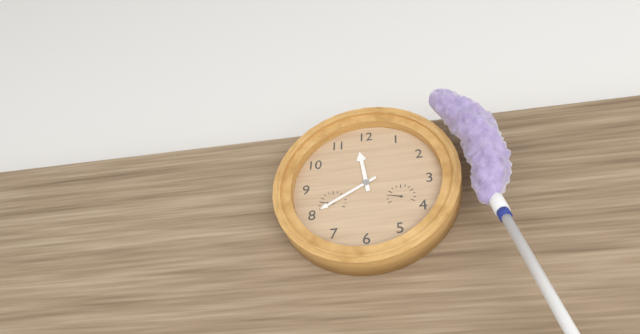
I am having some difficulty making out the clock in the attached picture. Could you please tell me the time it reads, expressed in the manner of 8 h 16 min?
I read 11 h 40 min
